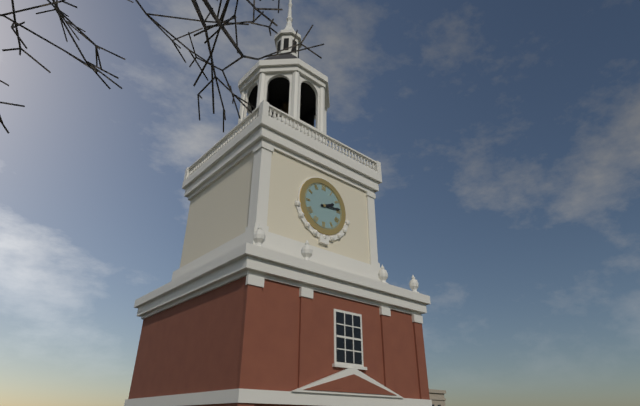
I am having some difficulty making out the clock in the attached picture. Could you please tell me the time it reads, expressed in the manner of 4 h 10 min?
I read 2 h 14 min
